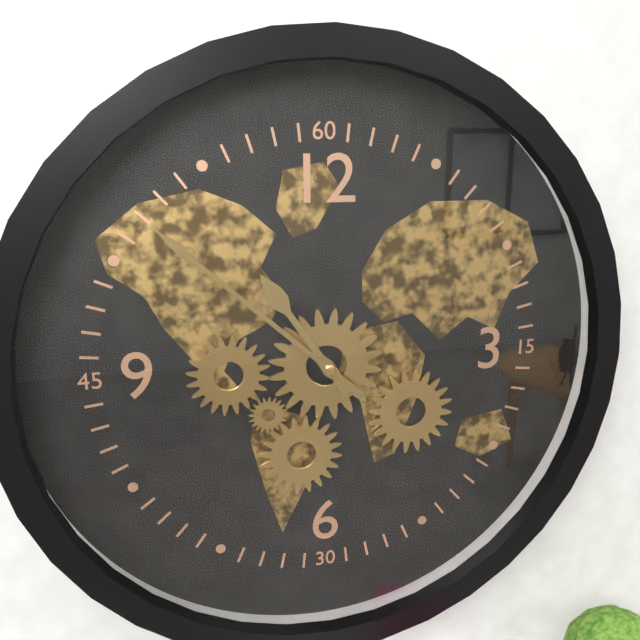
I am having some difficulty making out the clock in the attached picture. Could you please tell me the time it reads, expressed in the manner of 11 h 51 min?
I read 10 h 52 min
